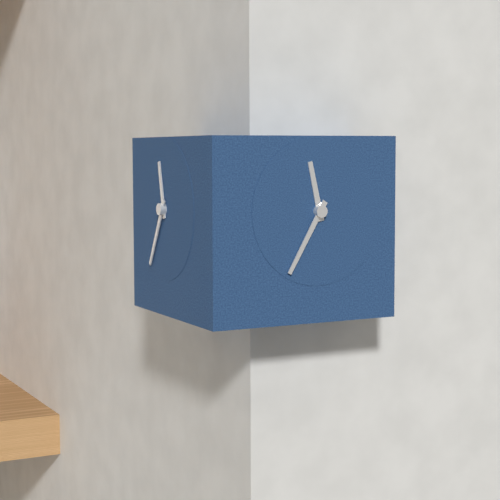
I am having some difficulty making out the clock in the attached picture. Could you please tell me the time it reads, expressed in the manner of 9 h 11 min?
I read 11 h 35 min
